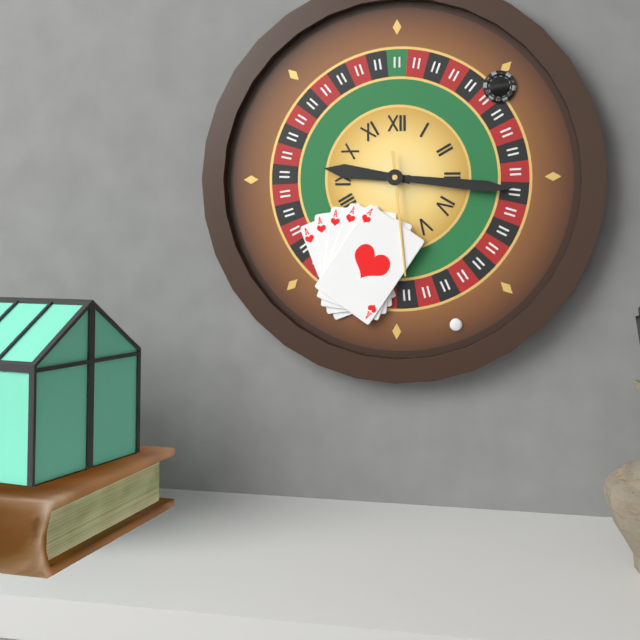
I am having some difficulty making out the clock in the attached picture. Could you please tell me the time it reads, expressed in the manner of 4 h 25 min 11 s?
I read 9 h 16 min 29 s
